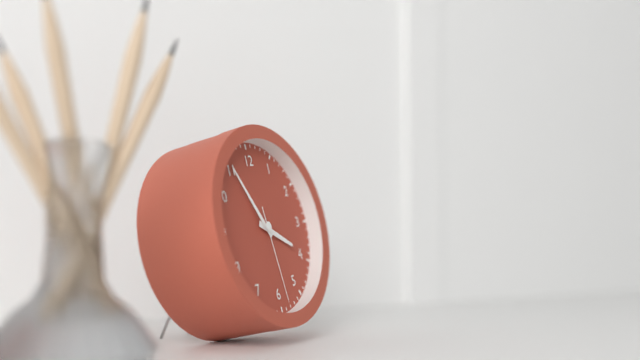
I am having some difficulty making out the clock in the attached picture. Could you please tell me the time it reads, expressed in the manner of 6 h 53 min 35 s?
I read 3 h 55 min 29 s
